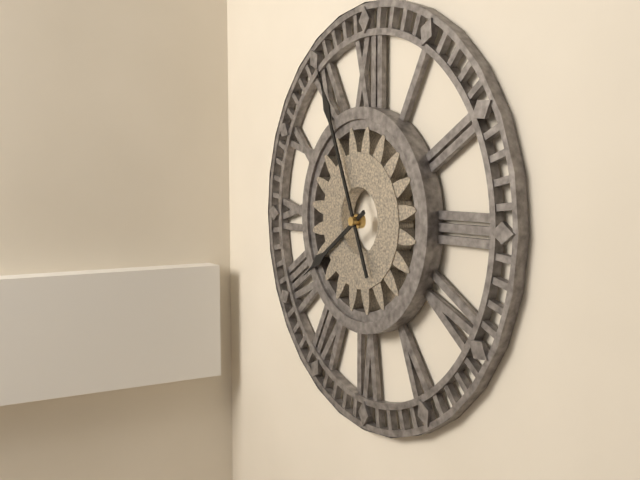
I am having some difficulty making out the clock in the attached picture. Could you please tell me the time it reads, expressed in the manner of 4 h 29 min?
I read 7 h 56 min
